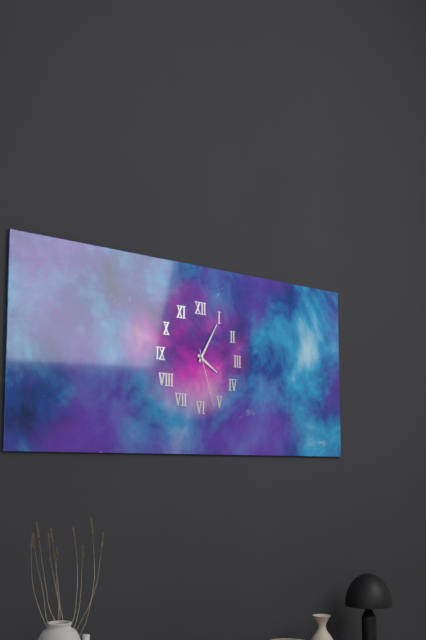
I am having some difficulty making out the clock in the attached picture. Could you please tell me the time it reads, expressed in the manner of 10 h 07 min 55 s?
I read 4 h 05 min 27 s
